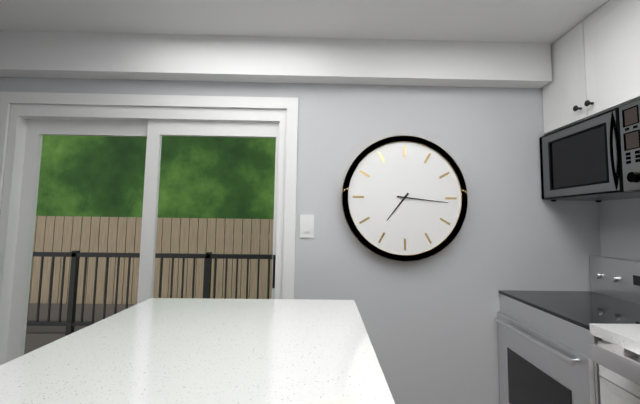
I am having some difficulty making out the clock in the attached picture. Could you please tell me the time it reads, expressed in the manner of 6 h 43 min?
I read 7 h 16 min
